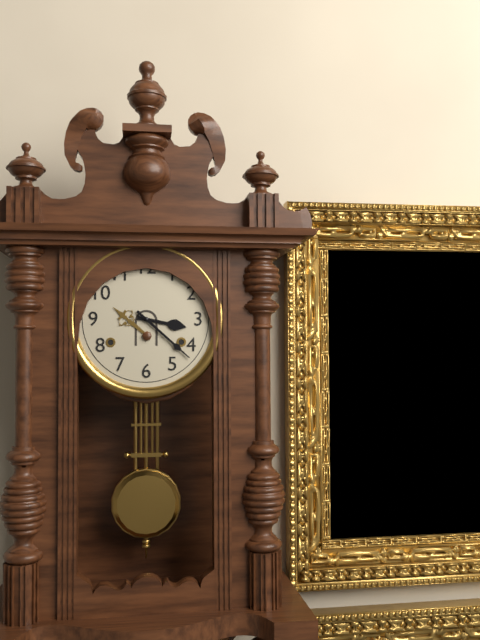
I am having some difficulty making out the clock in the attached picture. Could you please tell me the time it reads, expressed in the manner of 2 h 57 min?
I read 3 h 22 min
